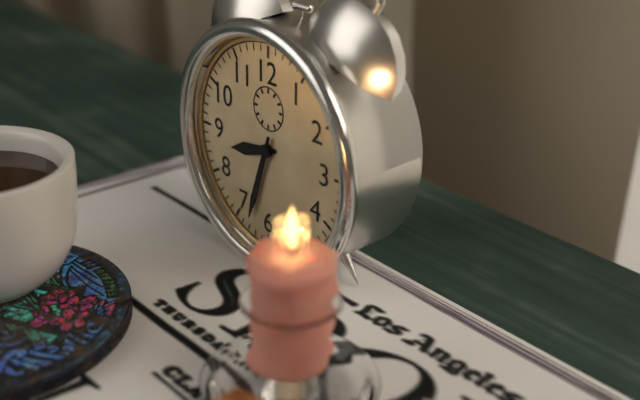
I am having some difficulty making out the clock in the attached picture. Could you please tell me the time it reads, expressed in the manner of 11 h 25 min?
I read 8 h 33 min
